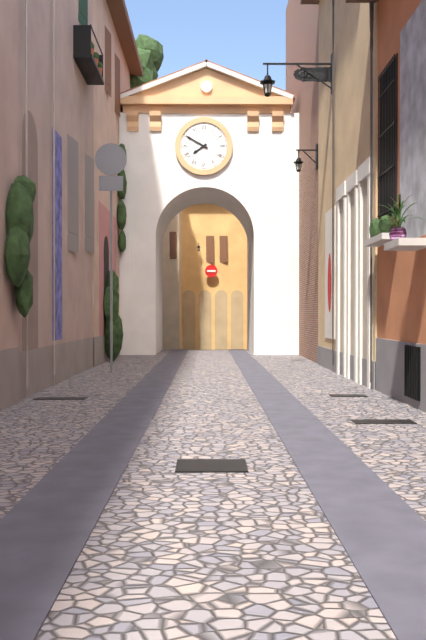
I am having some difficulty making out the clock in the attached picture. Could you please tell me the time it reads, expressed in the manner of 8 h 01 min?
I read 7 h 50 min
